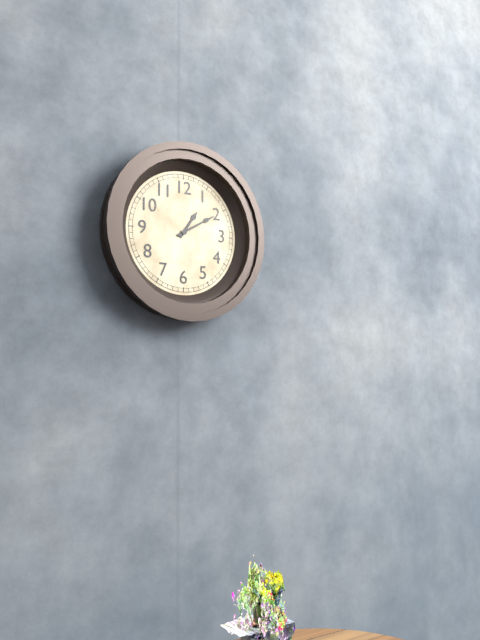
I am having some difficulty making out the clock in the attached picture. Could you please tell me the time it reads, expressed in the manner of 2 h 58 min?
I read 1 h 10 min
